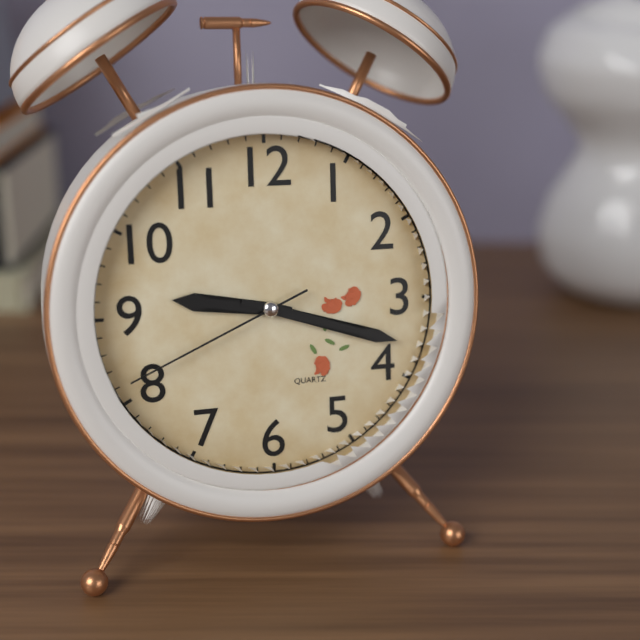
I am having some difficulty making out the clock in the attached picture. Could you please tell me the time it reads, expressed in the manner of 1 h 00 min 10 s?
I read 9 h 18 min 41 s
